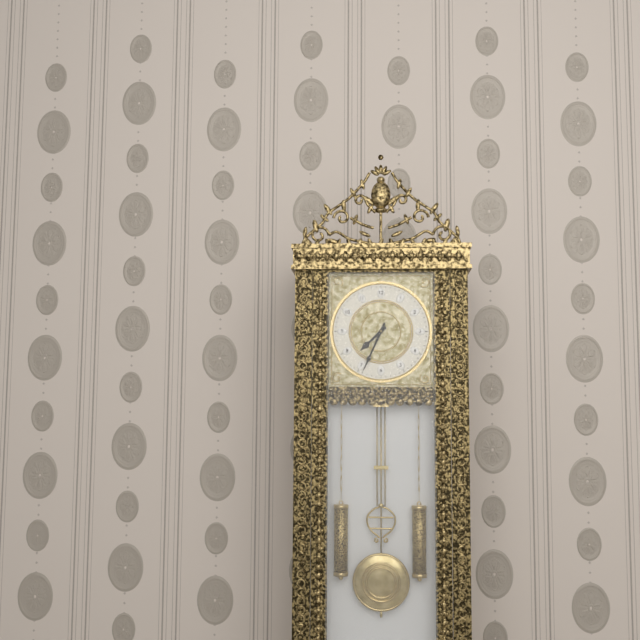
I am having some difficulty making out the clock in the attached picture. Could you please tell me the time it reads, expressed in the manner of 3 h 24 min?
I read 7 h 34 min
